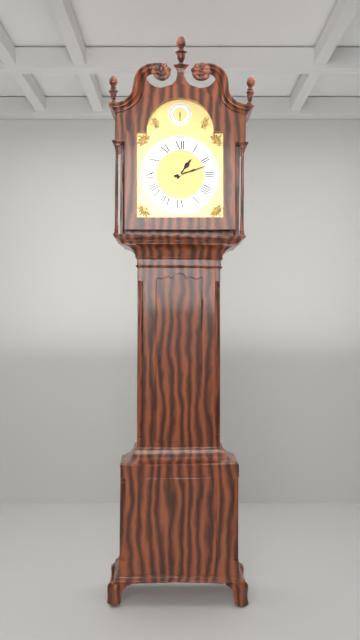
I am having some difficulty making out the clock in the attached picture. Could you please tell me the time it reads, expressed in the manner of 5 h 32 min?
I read 1 h 12 min
